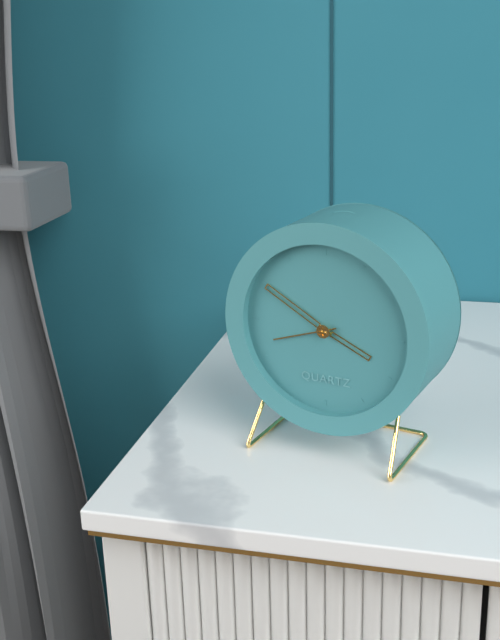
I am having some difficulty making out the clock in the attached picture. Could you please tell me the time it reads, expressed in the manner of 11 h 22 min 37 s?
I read 3 h 50 min 42 s
